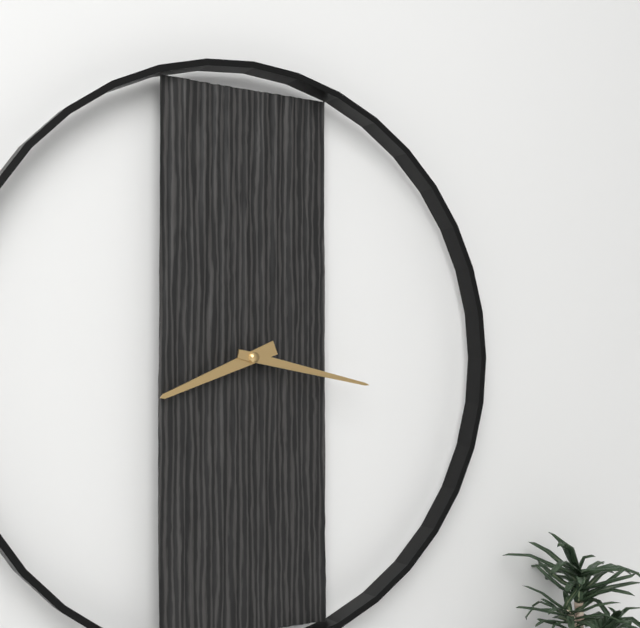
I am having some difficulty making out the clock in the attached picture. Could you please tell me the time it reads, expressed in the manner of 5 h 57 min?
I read 8 h 17 min
